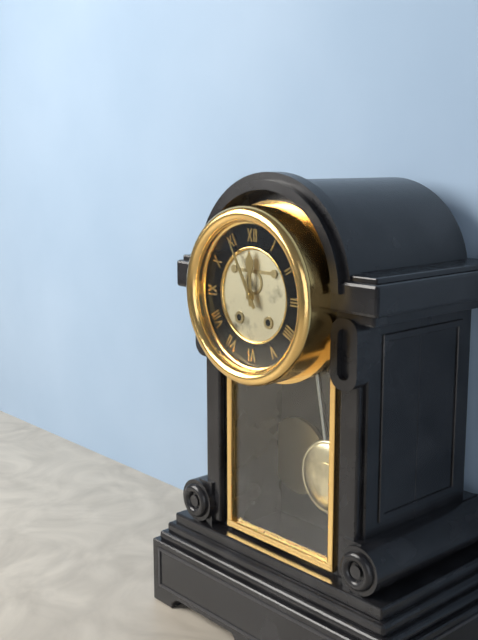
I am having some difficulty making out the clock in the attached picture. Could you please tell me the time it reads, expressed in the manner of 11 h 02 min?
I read 11 h 55 min
